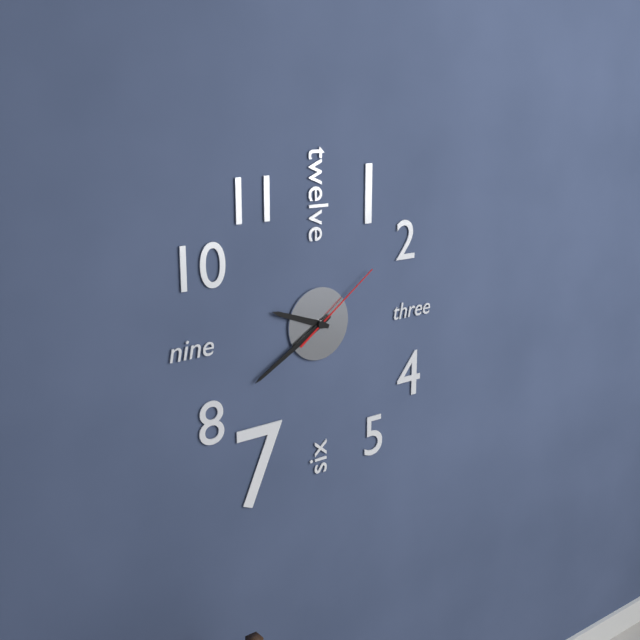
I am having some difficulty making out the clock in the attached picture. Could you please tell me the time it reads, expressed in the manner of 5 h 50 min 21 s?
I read 9 h 40 min 09 s
